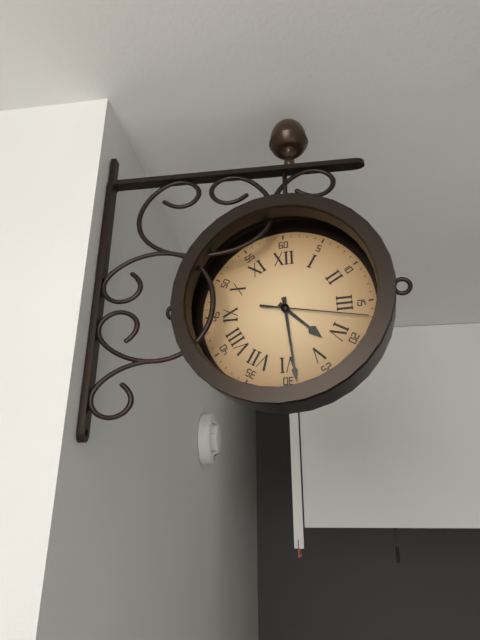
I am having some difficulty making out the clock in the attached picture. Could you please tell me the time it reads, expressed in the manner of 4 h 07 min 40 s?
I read 4 h 29 min 17 s
